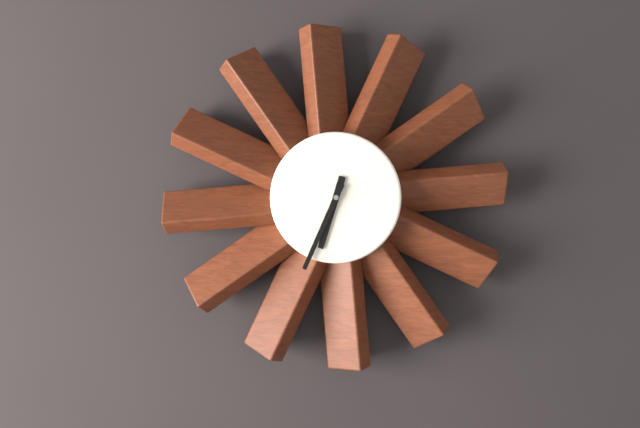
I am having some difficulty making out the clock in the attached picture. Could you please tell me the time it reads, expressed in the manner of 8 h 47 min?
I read 6 h 34 min
